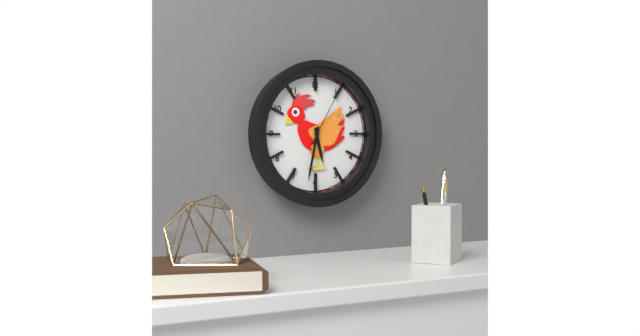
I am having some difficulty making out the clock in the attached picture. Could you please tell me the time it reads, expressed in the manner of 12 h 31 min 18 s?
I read 5 h 32 min 05 s
